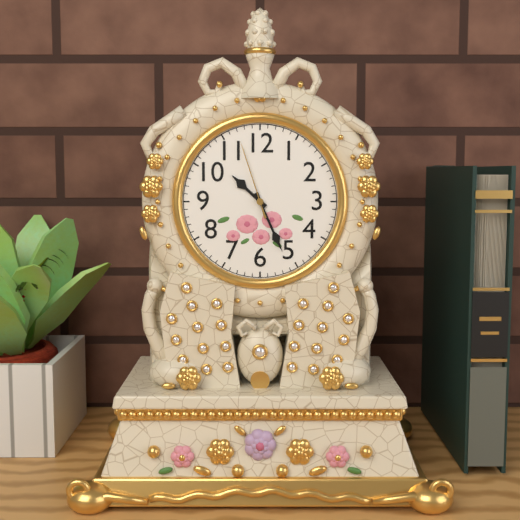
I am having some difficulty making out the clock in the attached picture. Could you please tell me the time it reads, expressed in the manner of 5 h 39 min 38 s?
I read 10 h 26 min 57 s
